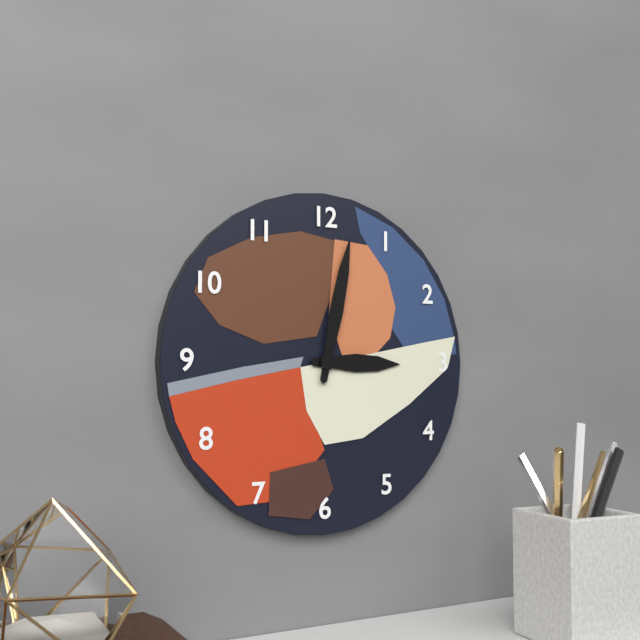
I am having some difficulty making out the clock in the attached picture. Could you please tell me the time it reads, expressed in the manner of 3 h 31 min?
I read 3 h 02 min
